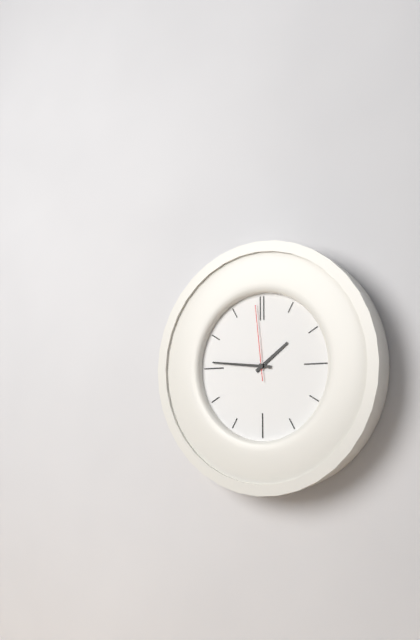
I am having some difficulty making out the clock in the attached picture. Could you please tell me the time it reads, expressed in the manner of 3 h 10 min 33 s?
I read 1 h 46 min 59 s
